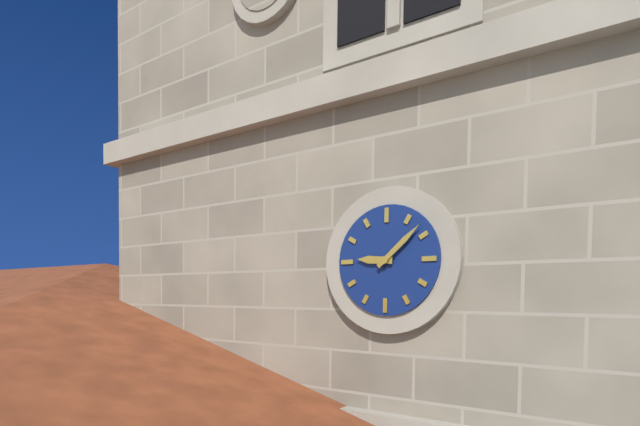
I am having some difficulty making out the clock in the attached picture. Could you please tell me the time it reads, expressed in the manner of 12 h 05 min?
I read 9 h 08 min
